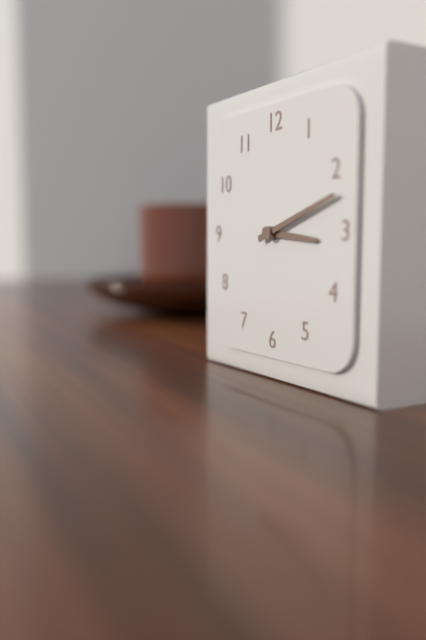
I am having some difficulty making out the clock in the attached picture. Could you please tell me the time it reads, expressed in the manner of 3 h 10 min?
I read 3 h 12 min
